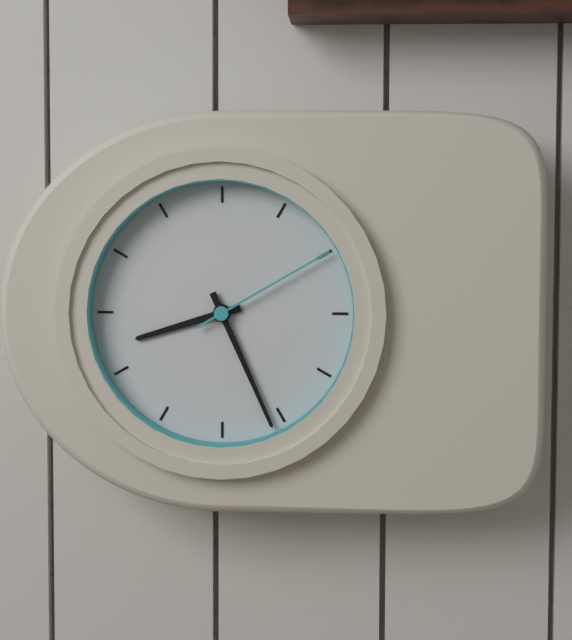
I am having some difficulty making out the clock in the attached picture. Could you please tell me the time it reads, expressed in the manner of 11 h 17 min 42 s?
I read 8 h 26 min 10 s
